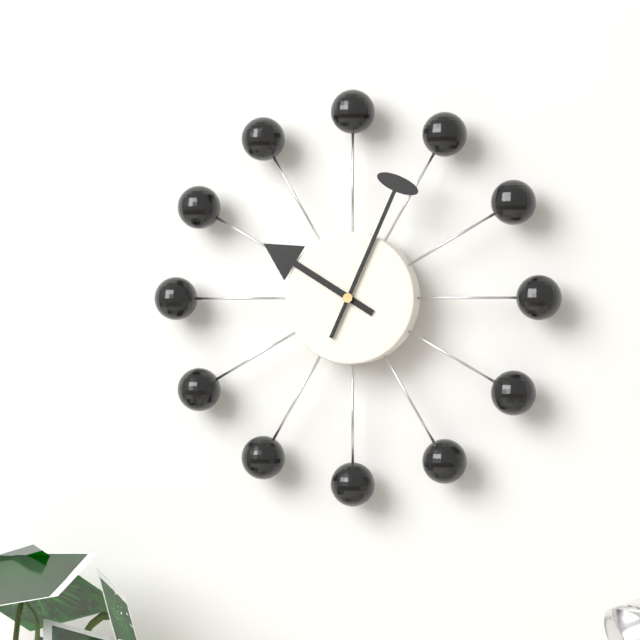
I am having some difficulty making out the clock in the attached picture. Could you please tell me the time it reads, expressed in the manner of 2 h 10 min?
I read 10 h 04 min
